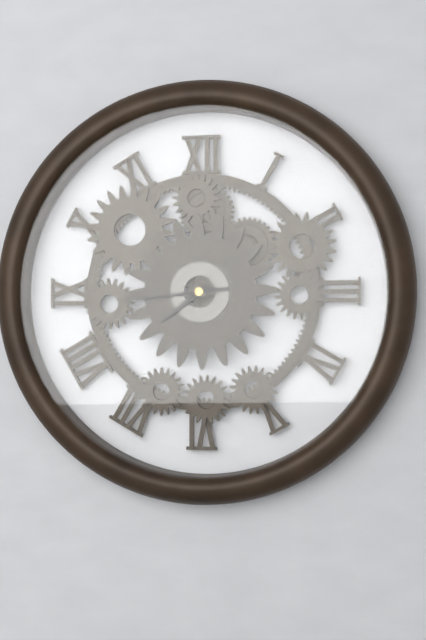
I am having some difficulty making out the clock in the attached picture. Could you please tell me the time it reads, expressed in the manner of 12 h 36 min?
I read 7 h 44 min
